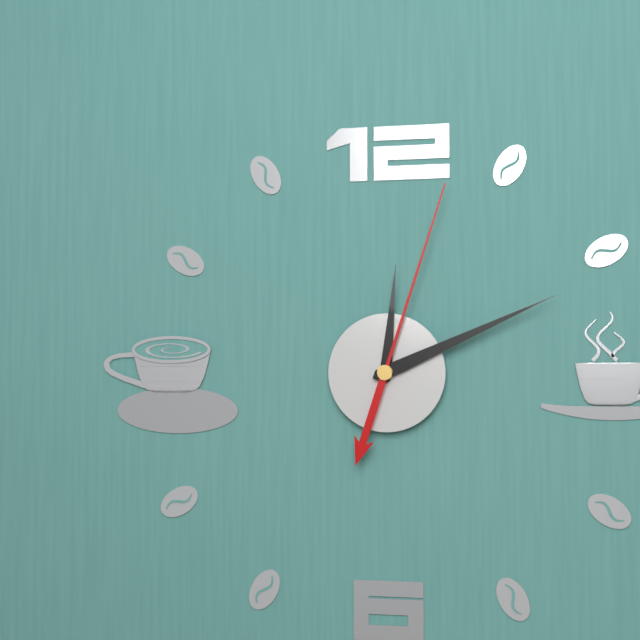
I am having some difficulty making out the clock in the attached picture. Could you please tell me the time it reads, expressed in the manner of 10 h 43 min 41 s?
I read 12 h 11 min 03 s
